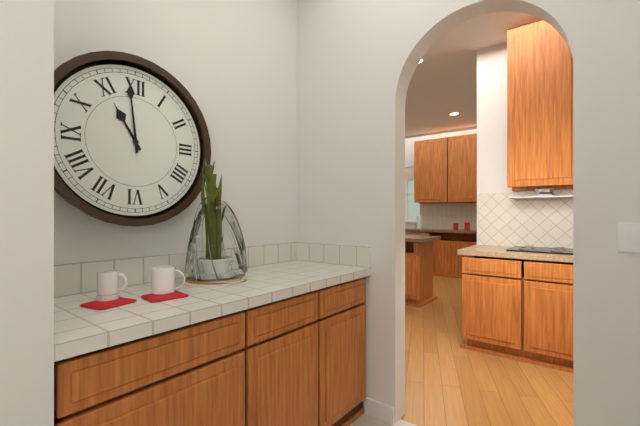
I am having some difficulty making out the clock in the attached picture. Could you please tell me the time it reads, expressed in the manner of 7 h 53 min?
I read 10 h 59 min
